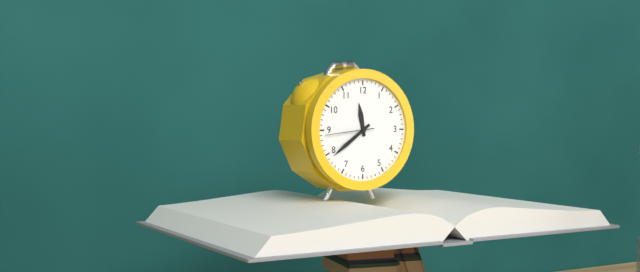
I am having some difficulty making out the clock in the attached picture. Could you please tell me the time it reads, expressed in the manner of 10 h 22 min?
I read 11 h 39 min
